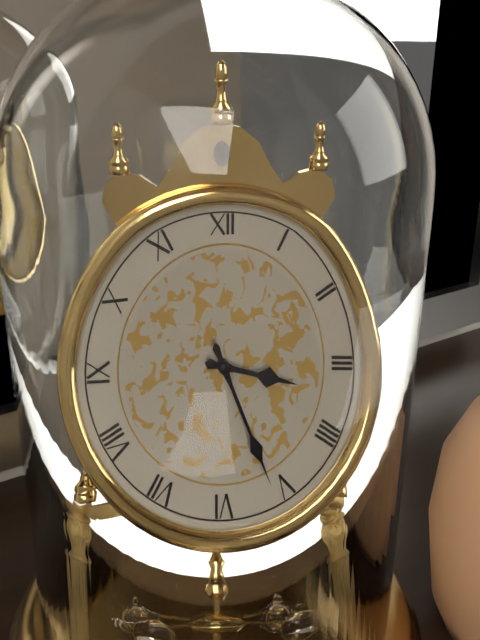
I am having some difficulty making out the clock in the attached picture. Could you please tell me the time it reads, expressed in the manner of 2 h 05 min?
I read 3 h 26 min
